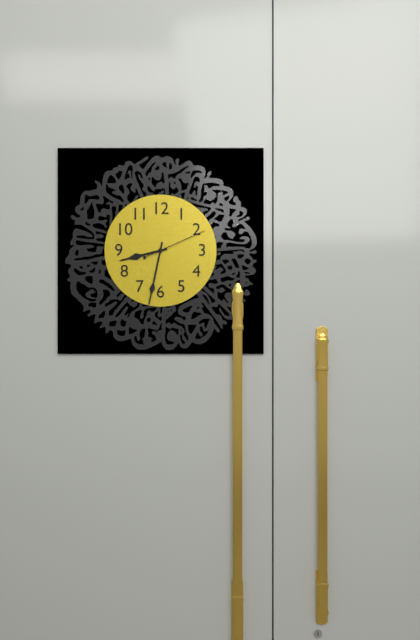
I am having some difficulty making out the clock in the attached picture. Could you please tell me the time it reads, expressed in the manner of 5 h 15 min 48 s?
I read 8 h 32 min 11 s
